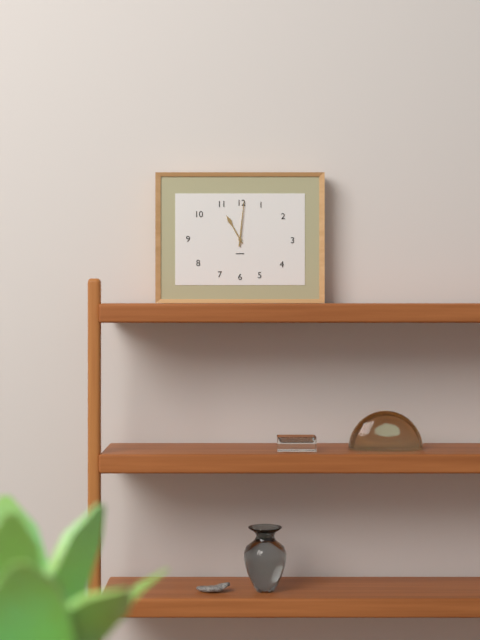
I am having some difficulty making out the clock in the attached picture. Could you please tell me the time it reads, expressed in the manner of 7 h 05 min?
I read 11 h 01 min
